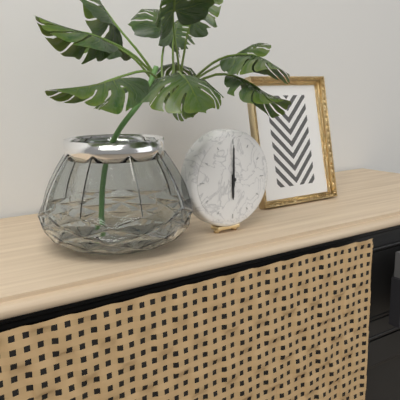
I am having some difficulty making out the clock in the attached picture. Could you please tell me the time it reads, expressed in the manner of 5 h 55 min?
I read 6 h 00 min
